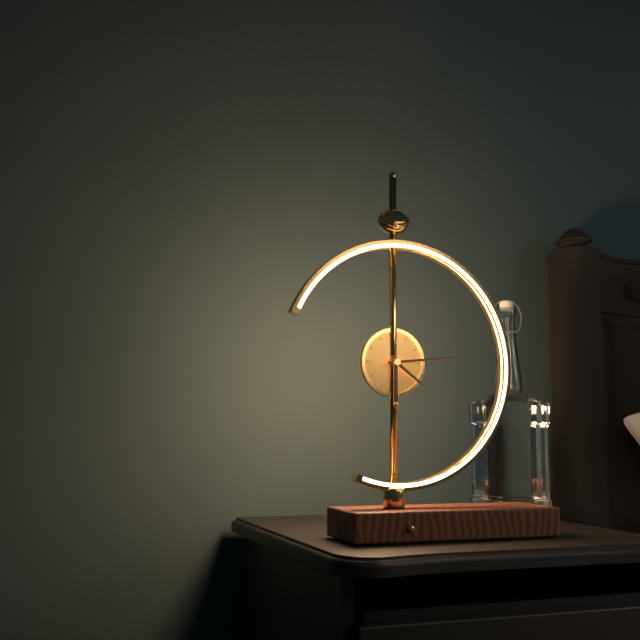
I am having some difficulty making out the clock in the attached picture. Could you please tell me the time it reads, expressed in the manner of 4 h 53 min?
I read 4 h 14 min
